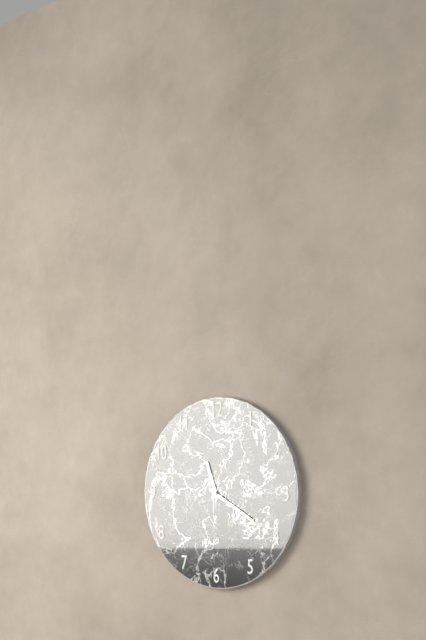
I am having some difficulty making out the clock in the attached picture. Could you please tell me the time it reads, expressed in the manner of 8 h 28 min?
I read 11 h 20 min
